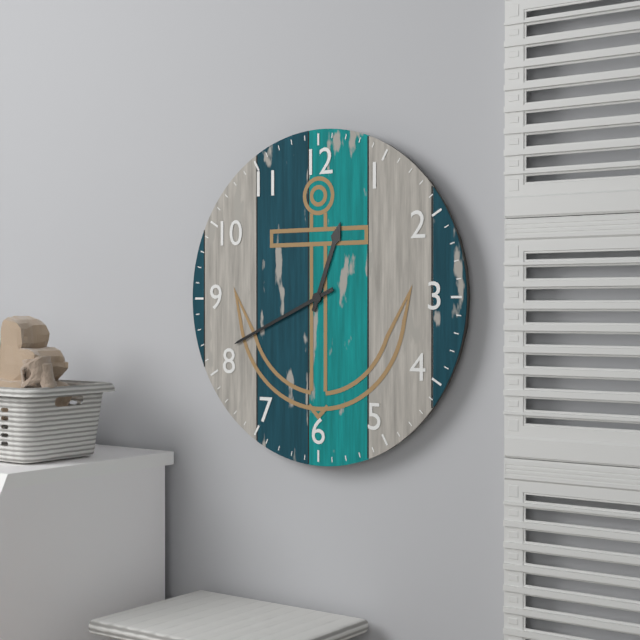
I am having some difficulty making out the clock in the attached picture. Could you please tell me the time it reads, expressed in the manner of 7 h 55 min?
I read 12 h 41 min
